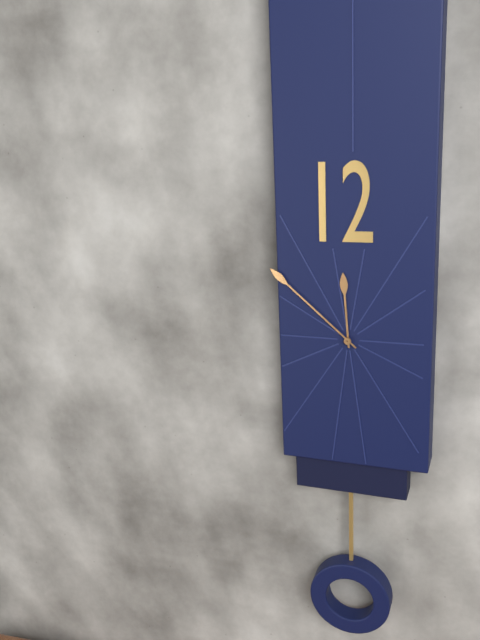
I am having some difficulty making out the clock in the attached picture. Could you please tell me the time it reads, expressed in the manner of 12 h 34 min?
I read 11 h 52 min
